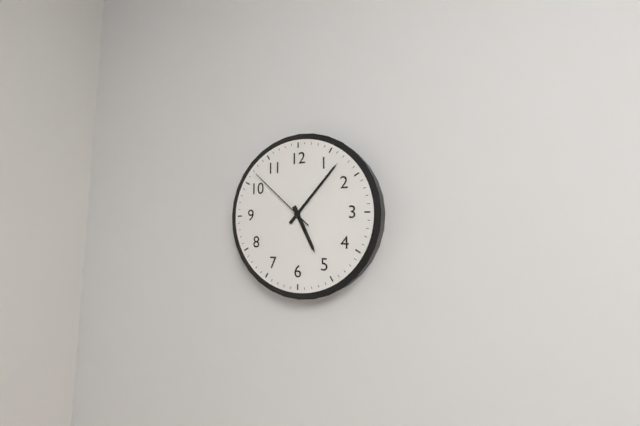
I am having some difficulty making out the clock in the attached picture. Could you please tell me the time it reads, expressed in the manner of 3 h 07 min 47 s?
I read 5 h 07 min 52 s
